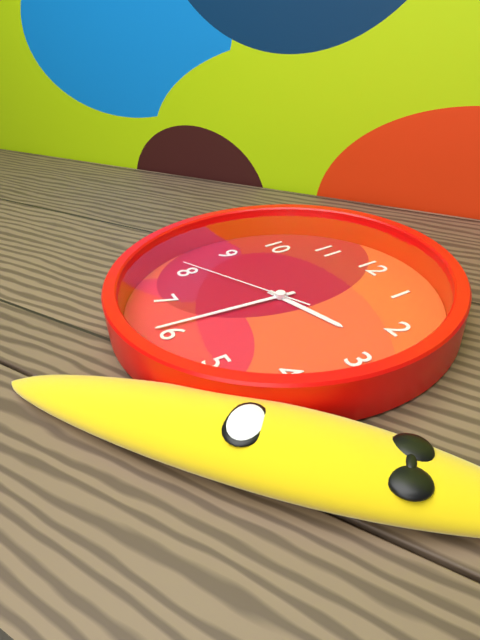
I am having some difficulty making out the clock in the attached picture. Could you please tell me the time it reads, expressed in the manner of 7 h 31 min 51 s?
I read 2 h 31 min 41 s
